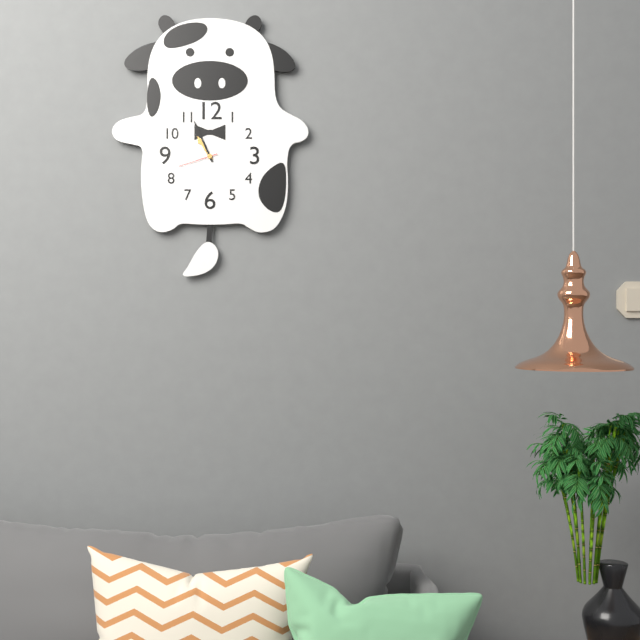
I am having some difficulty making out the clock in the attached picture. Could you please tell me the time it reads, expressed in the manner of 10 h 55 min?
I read 10 h 56 min
